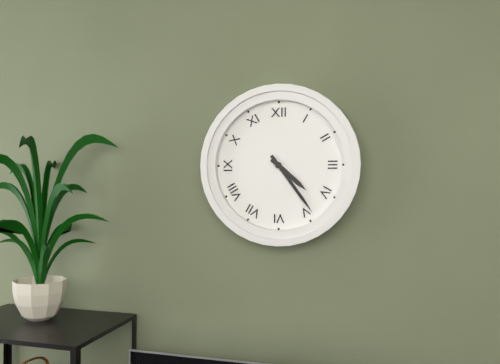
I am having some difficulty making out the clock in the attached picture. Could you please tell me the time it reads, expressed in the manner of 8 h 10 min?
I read 4 h 24 min
